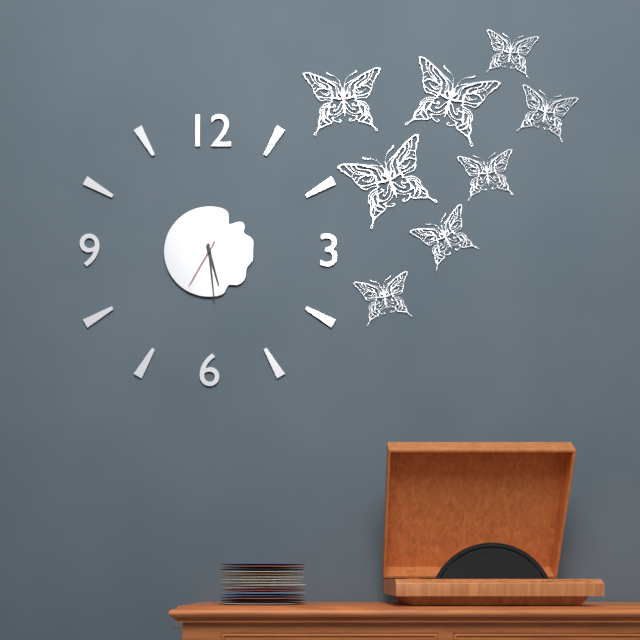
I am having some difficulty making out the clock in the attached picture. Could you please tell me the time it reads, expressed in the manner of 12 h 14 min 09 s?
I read 5 h 29 min 35 s
